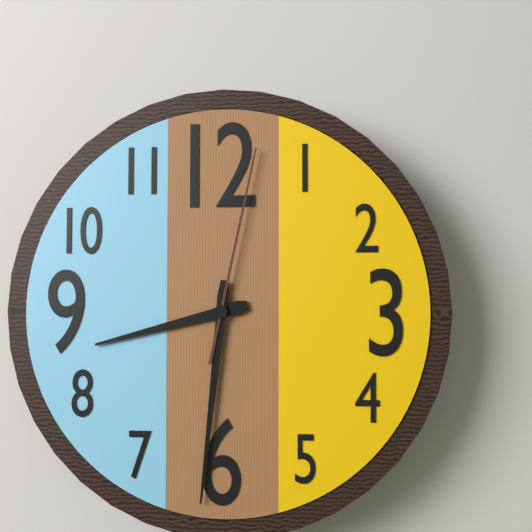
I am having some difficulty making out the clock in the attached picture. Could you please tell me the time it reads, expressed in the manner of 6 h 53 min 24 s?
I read 8 h 31 min 02 s
